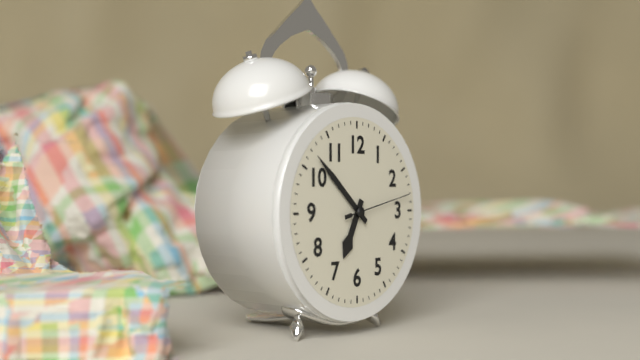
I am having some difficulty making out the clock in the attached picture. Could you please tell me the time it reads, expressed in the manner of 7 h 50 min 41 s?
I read 6 h 52 min 13 s
